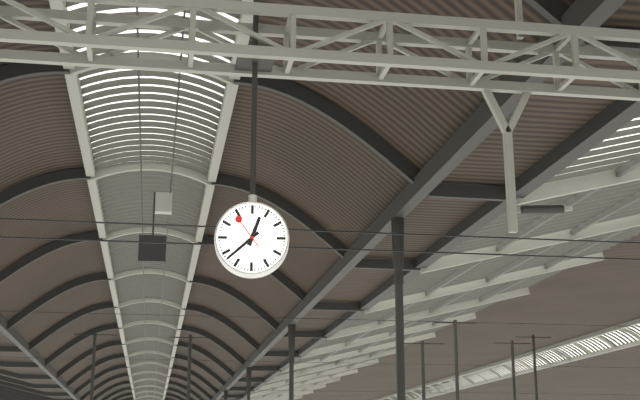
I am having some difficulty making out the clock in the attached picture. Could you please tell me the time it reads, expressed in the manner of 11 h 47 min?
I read 12 h 38 min
